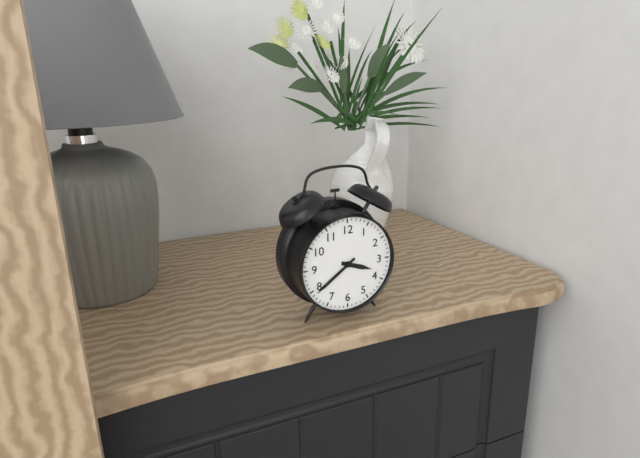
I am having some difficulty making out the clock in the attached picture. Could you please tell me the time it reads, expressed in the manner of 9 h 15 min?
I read 3 h 39 min
